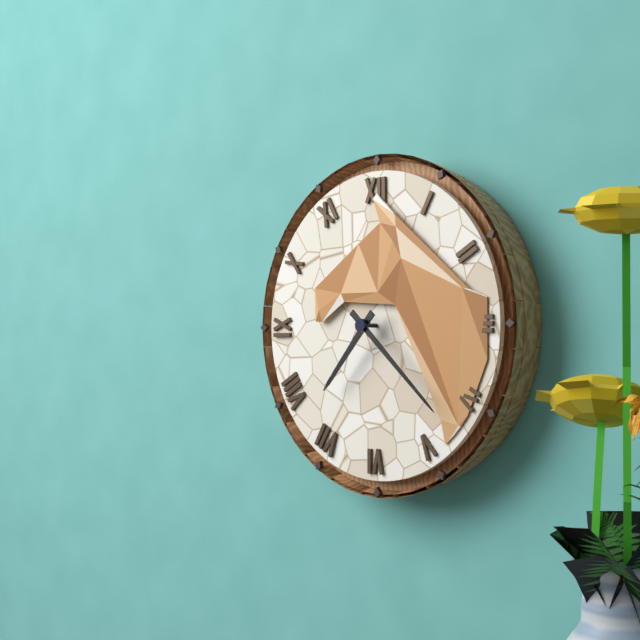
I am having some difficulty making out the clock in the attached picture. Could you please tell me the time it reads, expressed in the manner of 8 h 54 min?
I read 7 h 22 min
